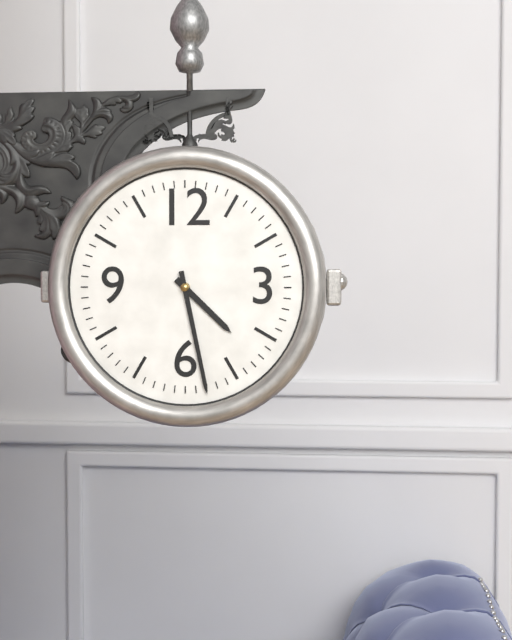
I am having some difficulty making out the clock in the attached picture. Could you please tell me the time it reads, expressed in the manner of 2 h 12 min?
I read 4 h 28 min
